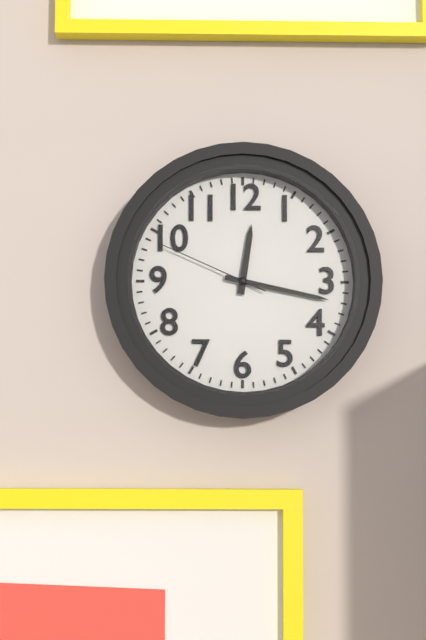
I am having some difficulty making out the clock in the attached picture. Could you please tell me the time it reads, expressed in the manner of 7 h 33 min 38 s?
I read 12 h 17 min 49 s
